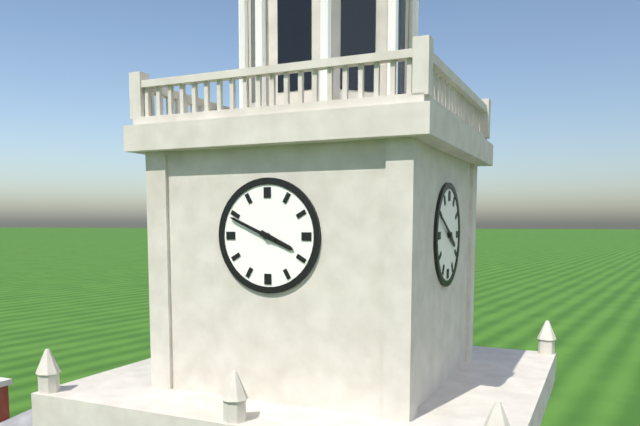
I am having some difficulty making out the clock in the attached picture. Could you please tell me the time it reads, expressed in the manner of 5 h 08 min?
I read 3 h 49 min
